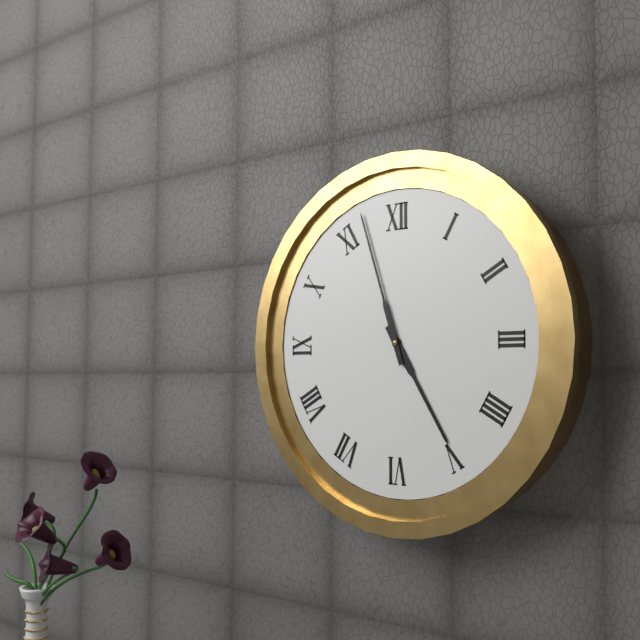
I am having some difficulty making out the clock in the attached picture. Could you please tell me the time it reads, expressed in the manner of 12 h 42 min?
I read 4 h 57 min
